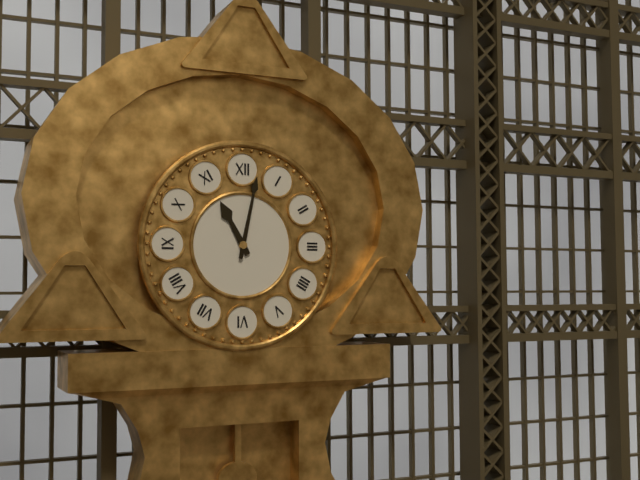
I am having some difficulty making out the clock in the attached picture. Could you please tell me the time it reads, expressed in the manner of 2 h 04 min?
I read 11 h 02 min
